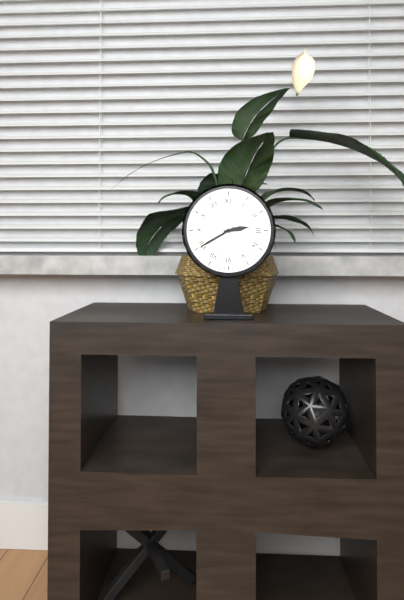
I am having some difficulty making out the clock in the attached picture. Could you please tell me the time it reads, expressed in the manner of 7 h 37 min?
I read 2 h 40 min
